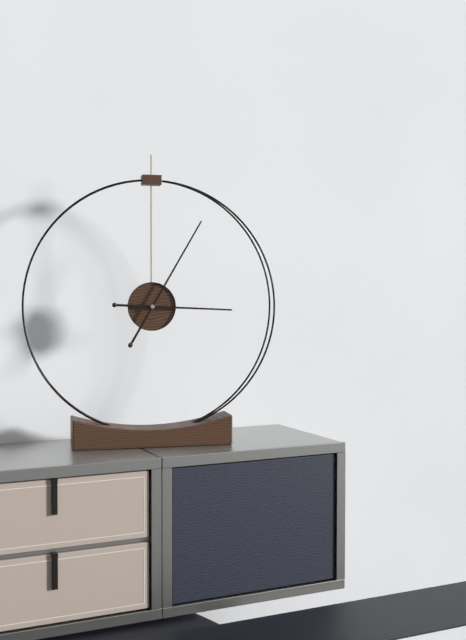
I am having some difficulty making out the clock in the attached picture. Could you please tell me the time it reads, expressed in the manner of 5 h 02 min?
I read 3 h 05 min
